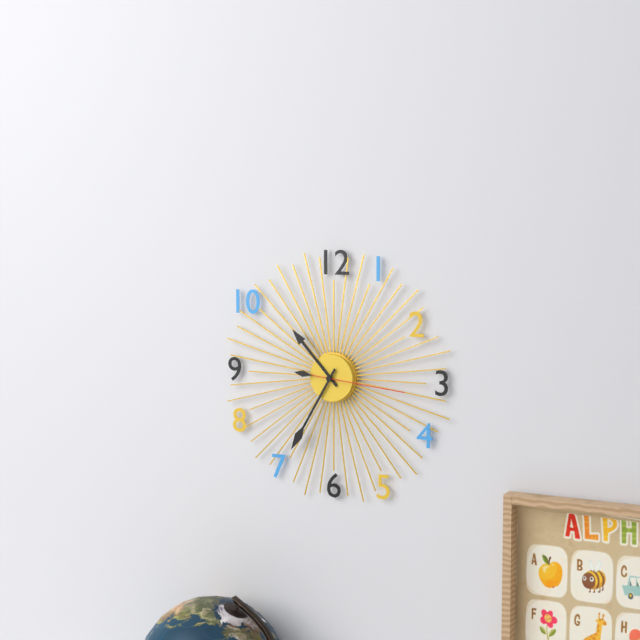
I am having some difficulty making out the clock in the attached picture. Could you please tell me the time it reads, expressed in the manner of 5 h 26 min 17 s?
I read 10 h 35 min 16 s
